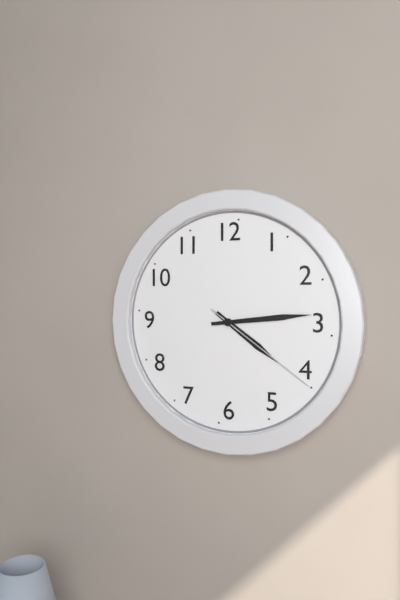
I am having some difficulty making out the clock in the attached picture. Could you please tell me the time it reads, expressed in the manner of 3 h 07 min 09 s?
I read 4 h 14 min 21 s
